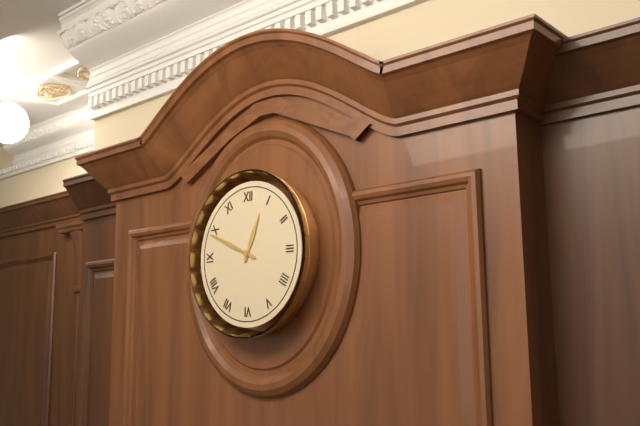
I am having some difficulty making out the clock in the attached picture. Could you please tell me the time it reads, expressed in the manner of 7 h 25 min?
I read 12 h 49 min
